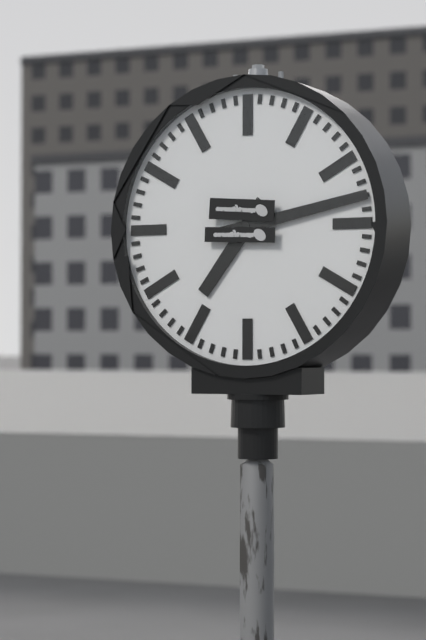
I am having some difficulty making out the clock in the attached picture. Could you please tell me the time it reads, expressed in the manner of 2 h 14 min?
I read 7 h 13 min
